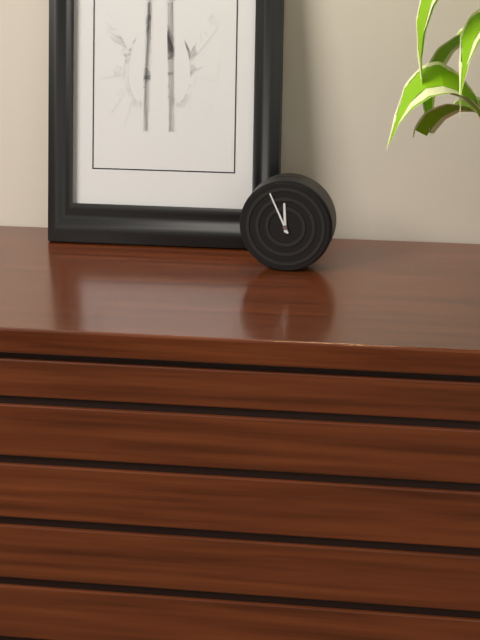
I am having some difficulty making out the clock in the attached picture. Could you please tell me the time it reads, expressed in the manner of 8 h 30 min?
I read 11 h 56 min
